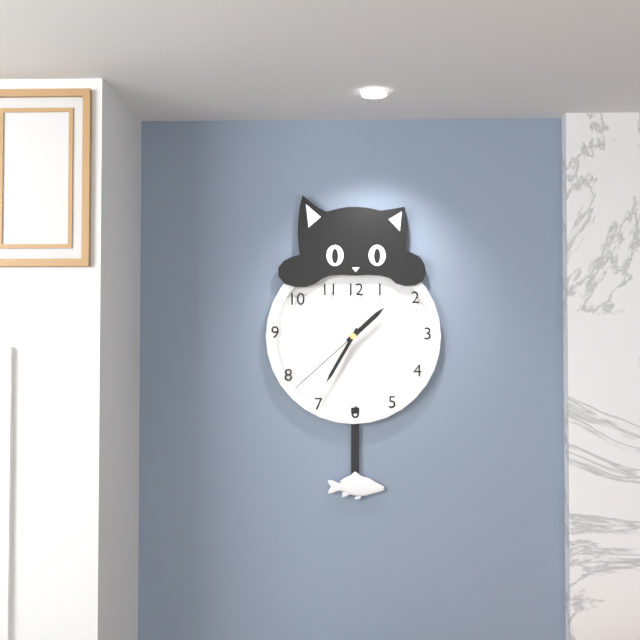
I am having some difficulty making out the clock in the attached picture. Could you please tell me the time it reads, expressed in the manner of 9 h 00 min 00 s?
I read 1 h 35 min 38 s
